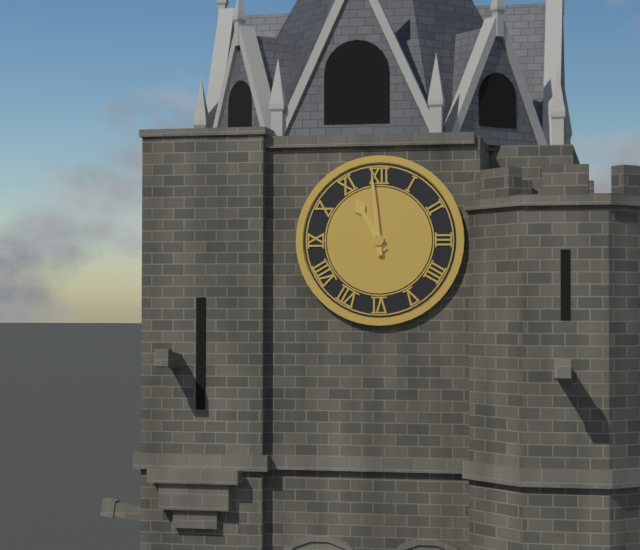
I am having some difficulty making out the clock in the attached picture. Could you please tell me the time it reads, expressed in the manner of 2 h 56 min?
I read 10 h 59 min
